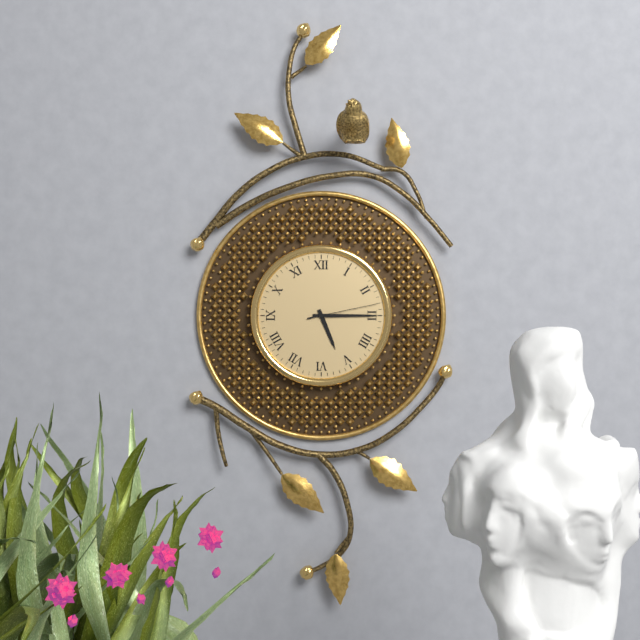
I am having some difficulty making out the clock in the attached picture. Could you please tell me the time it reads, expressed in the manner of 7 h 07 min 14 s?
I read 5 h 15 min 13 s
